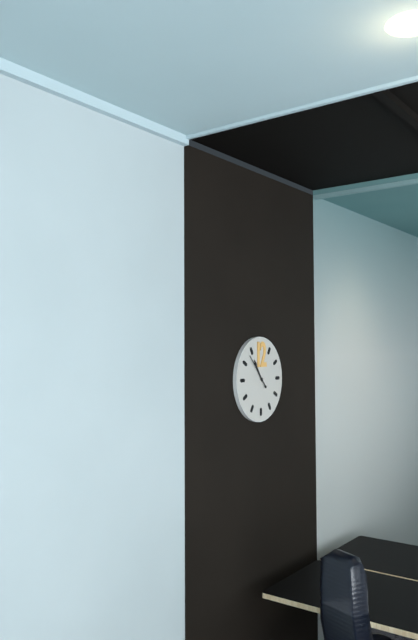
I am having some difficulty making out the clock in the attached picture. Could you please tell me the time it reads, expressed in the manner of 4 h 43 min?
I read 10 h 53 min
